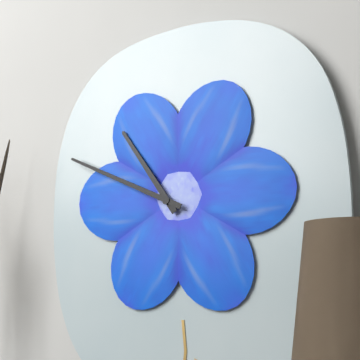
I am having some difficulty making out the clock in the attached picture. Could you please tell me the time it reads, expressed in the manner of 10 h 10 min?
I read 10 h 49 min
